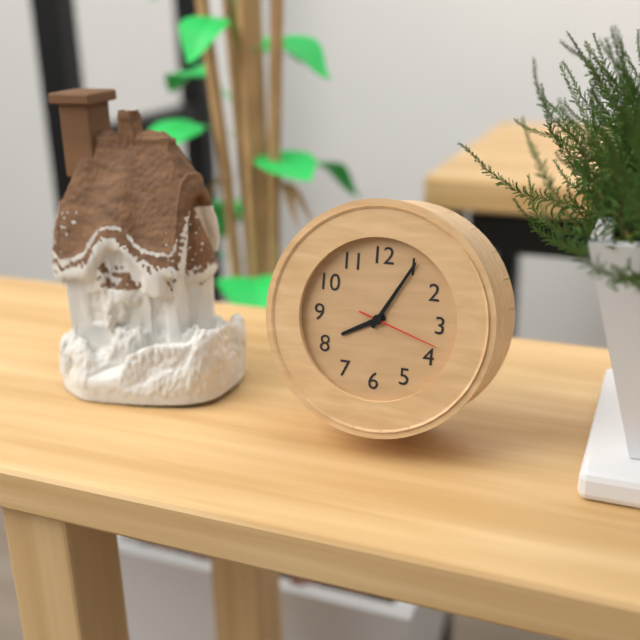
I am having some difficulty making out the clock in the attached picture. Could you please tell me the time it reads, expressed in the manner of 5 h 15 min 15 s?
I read 8 h 05 min 18 s
